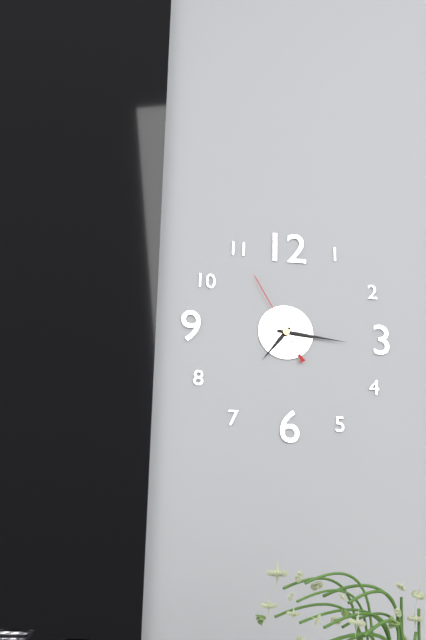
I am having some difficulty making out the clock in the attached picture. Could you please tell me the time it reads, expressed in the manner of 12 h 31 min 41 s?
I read 7 h 16 min 55 s
